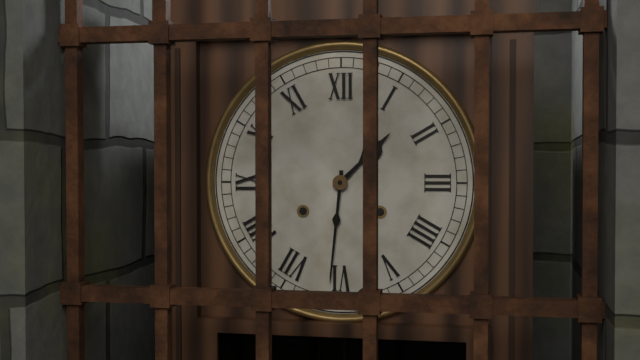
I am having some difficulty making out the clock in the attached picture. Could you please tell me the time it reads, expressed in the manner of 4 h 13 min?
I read 1 h 31 min
